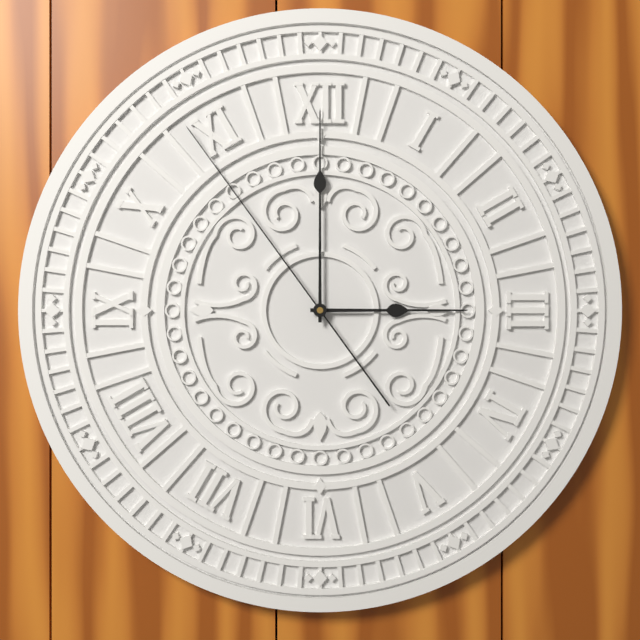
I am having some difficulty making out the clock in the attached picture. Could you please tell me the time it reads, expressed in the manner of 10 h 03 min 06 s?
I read 3 h 00 min 54 s
